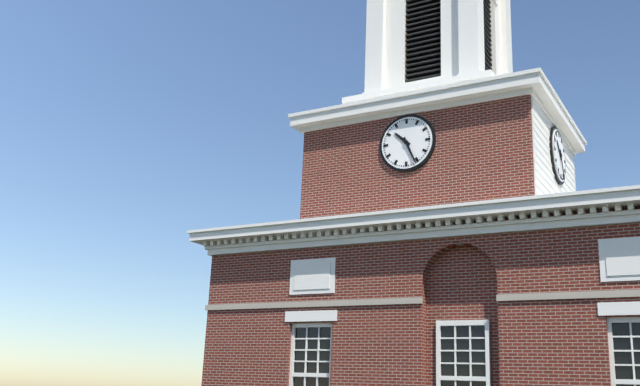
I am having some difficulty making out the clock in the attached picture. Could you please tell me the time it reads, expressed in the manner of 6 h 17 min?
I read 10 h 26 min
